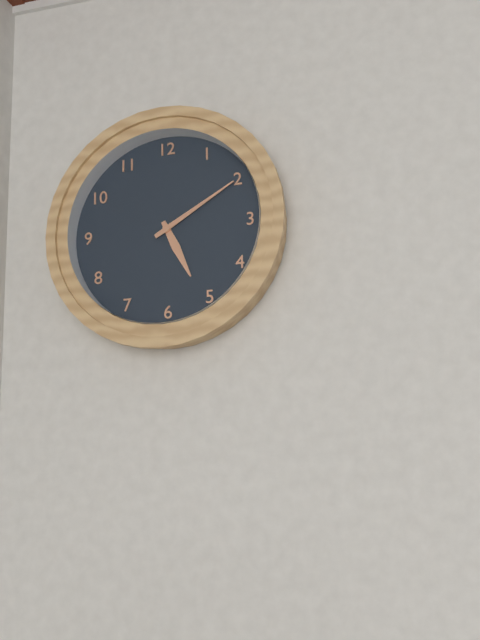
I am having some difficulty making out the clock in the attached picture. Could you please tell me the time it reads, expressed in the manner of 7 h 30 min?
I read 5 h 10 min
